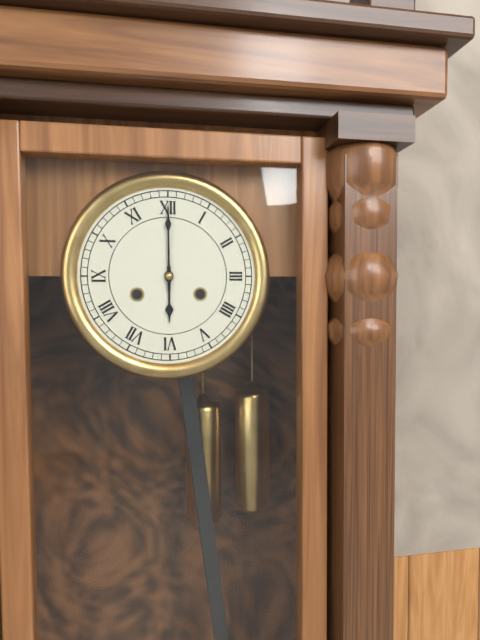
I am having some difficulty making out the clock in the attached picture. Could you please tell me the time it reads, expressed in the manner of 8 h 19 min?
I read 6 h 00 min
